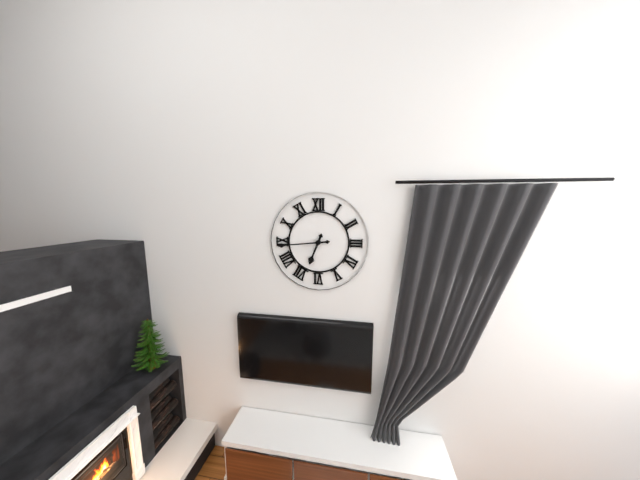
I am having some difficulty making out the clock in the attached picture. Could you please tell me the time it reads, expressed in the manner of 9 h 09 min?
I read 6 h 44 min
